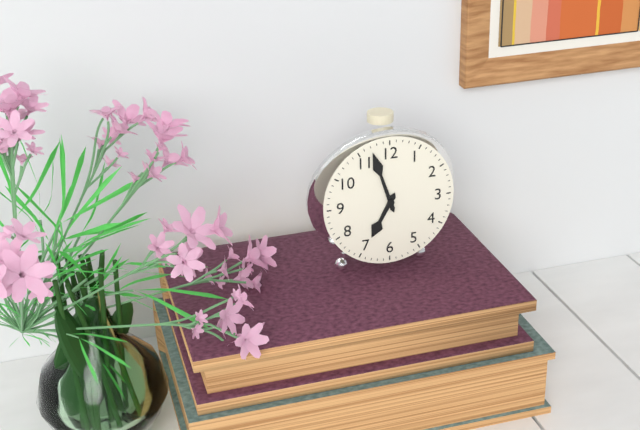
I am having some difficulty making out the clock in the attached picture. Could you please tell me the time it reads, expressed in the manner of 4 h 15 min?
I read 6 h 57 min
